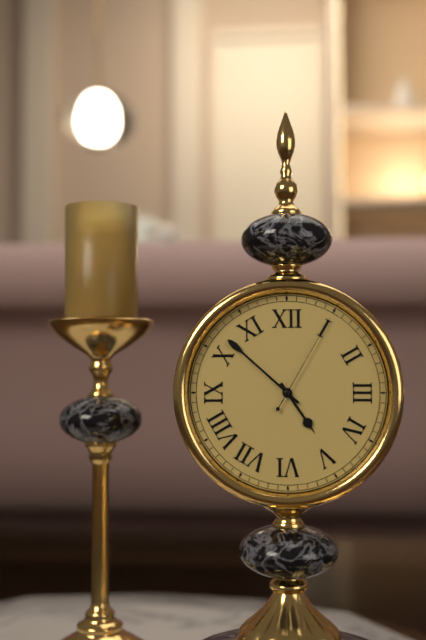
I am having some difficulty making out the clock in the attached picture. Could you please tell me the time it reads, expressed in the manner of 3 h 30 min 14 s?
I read 4 h 52 min 05 s
